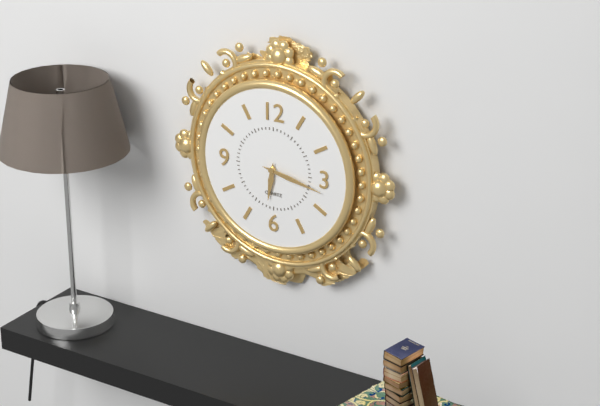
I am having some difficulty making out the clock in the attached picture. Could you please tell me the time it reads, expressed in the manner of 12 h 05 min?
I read 6 h 17 min
